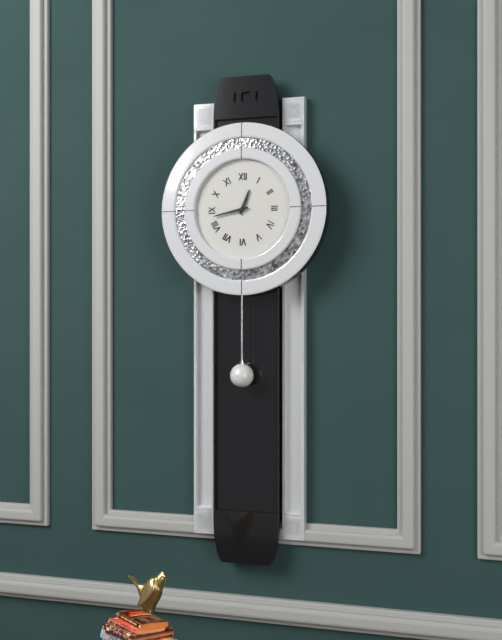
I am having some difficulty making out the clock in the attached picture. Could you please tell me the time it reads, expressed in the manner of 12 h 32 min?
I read 12 h 43 min
